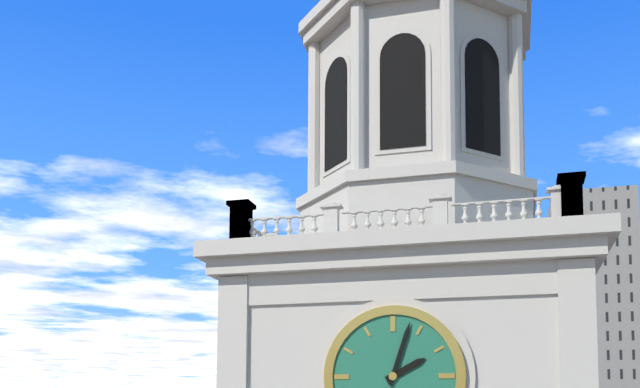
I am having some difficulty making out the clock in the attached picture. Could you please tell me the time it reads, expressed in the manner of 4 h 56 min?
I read 2 h 03 min
